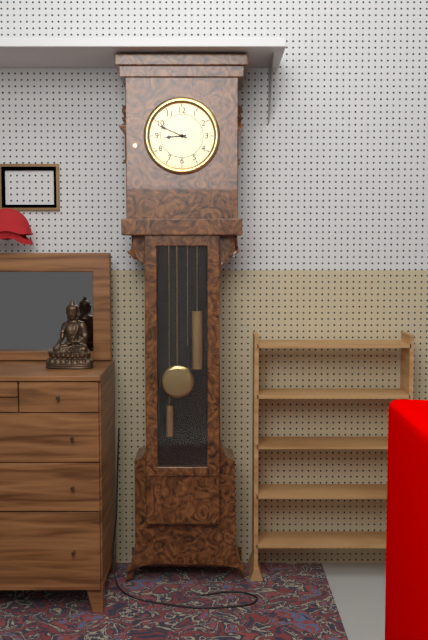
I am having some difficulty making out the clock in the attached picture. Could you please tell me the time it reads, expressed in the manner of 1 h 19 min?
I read 8 h 49 min
